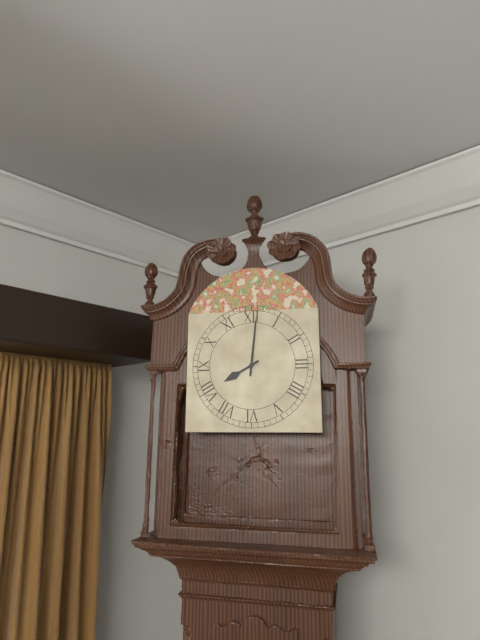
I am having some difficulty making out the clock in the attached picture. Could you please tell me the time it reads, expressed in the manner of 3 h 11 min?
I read 8 h 01 min
